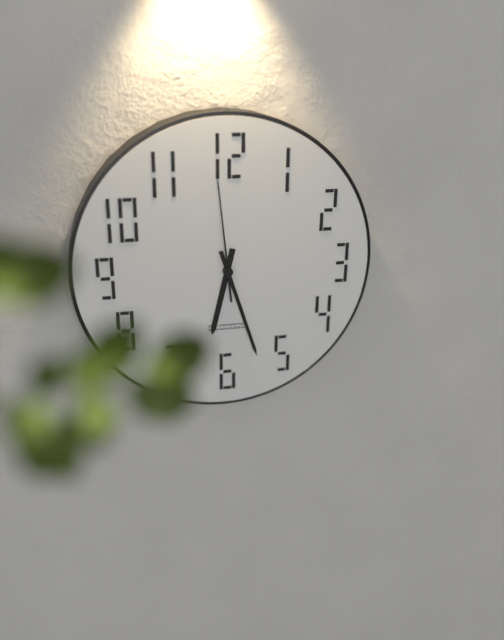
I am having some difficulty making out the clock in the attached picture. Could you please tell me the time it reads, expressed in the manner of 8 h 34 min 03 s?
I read 6 h 27 min 59 s
